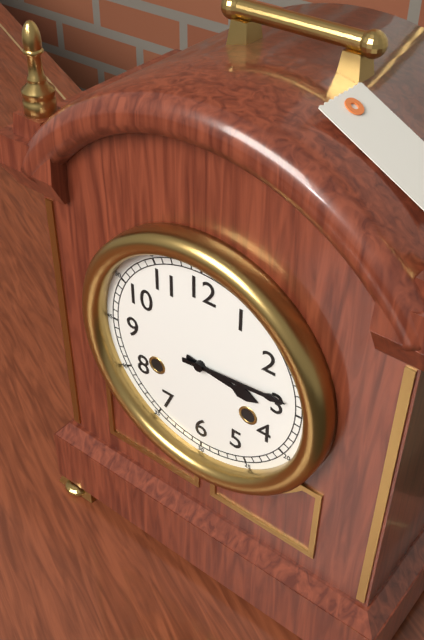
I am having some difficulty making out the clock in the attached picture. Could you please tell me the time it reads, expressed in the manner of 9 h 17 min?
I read 3 h 14 min
